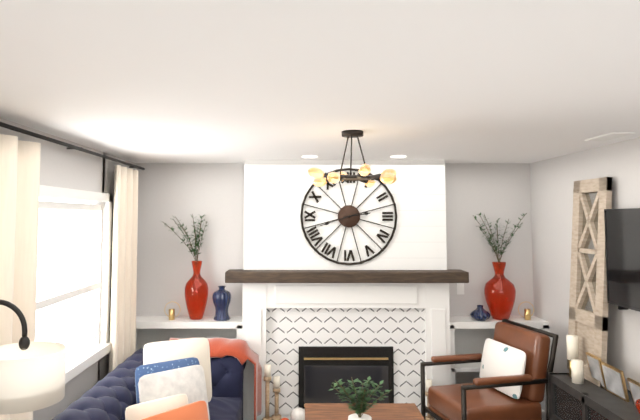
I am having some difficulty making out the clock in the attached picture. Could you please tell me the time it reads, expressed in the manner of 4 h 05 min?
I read 2 h 42 min
